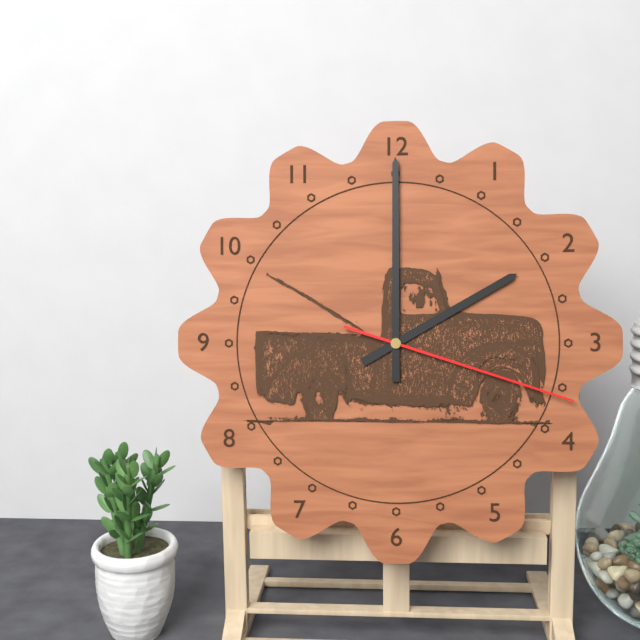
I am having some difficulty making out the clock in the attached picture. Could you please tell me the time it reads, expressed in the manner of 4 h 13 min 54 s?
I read 2 h 00 min 18 s
